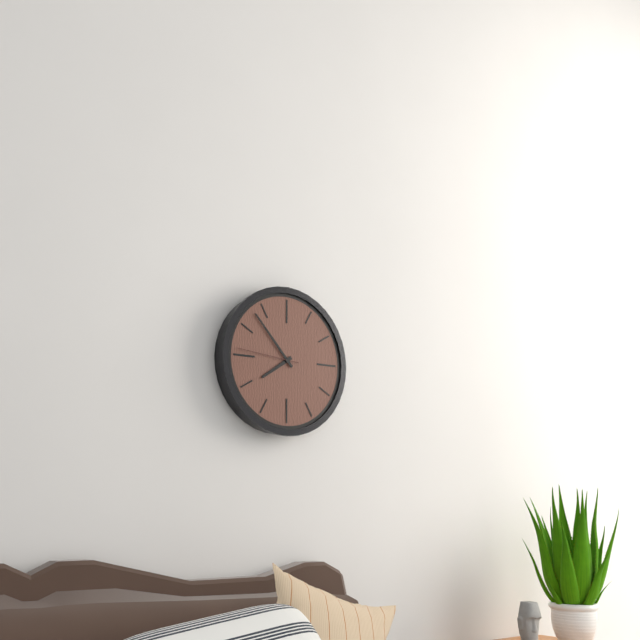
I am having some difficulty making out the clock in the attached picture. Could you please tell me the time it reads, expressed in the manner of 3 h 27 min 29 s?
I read 7 h 53 min 46 s
